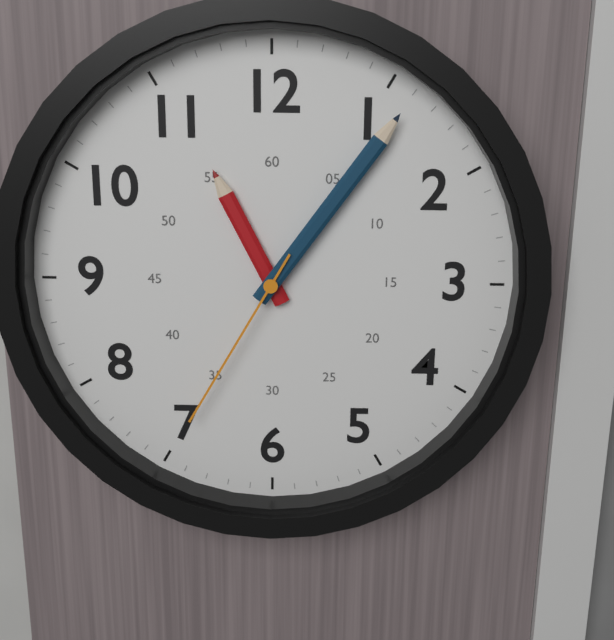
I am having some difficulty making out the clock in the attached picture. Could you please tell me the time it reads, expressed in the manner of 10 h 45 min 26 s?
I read 11 h 06 min 35 s
